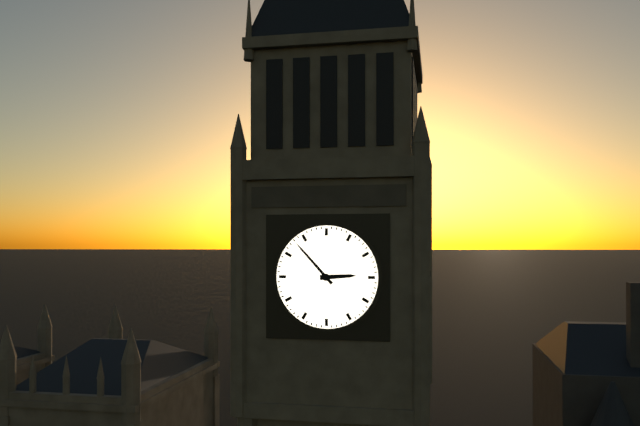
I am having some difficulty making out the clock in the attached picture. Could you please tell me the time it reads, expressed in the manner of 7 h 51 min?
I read 2 h 53 min
